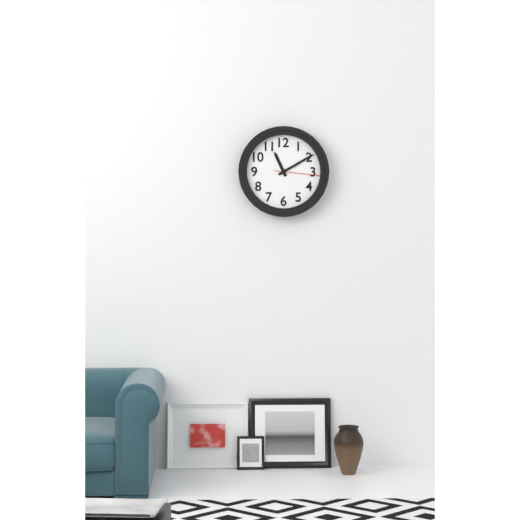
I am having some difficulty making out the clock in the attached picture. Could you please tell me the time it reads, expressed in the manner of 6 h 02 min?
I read 11 h 10 min
